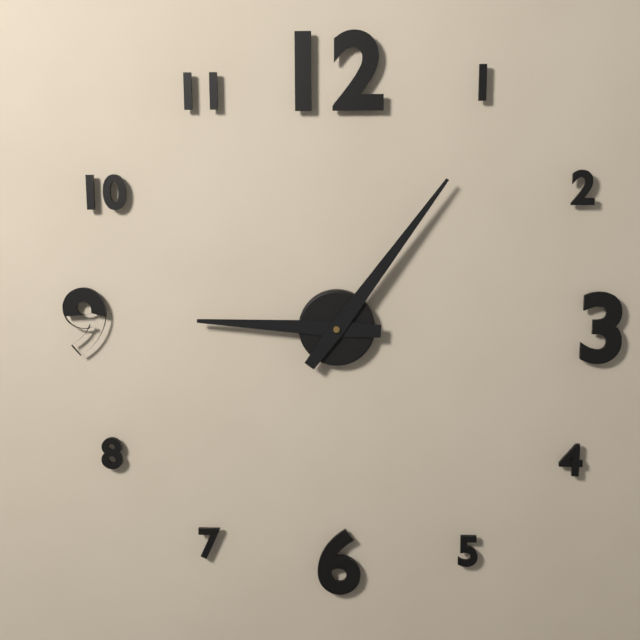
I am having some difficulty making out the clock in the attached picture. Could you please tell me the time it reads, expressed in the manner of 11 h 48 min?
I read 9 h 06 min
